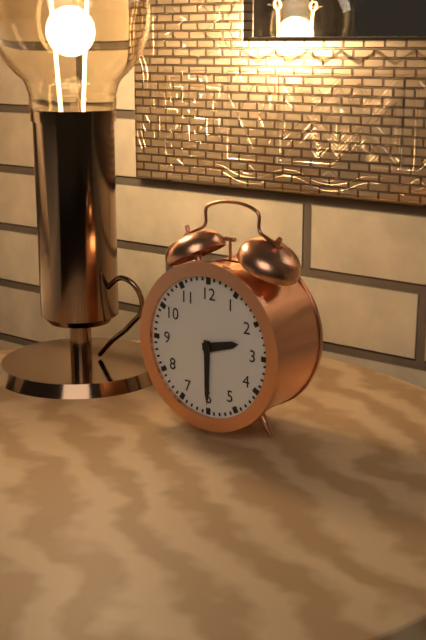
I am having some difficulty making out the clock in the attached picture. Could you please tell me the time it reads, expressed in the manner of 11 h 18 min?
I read 2 h 30 min
